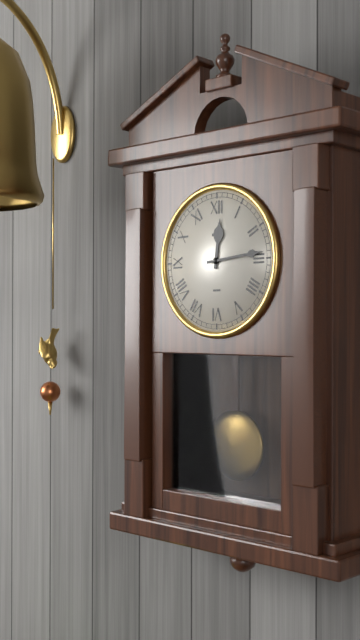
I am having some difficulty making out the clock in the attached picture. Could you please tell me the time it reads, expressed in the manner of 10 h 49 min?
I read 12 h 14 min
